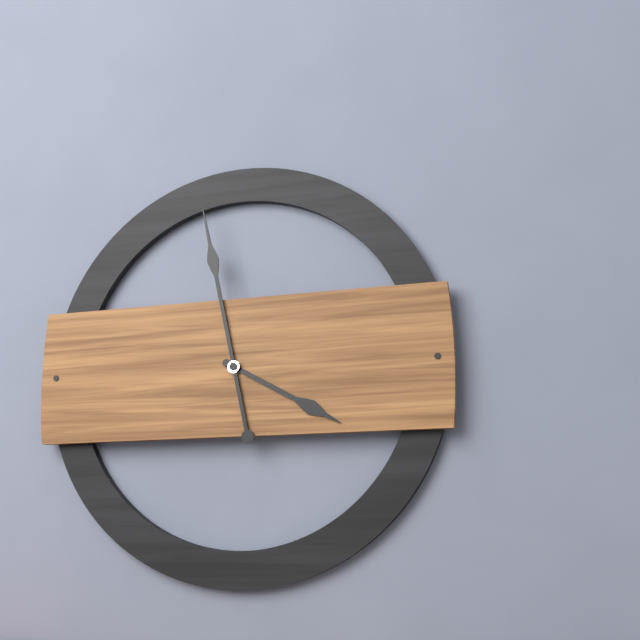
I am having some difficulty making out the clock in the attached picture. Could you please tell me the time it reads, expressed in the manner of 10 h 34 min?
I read 3 h 58 min
